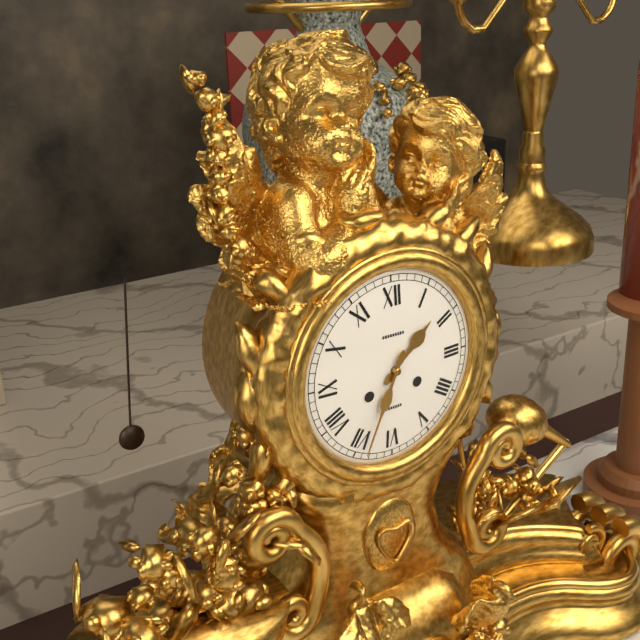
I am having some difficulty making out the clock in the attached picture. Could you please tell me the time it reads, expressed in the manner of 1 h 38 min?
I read 1 h 34 min
